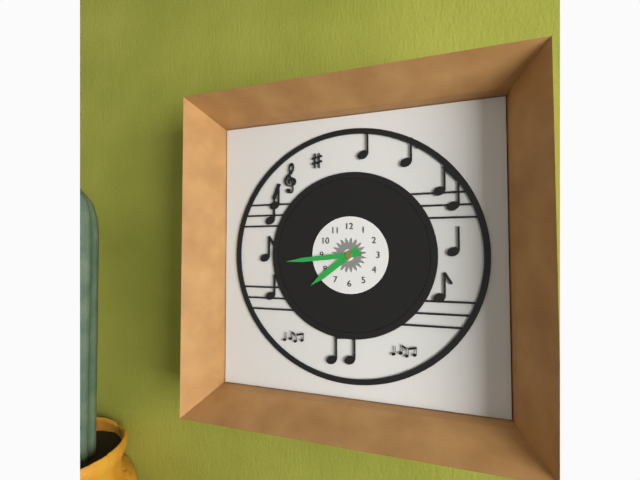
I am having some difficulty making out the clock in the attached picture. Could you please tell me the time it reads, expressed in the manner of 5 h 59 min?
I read 7 h 44 min
